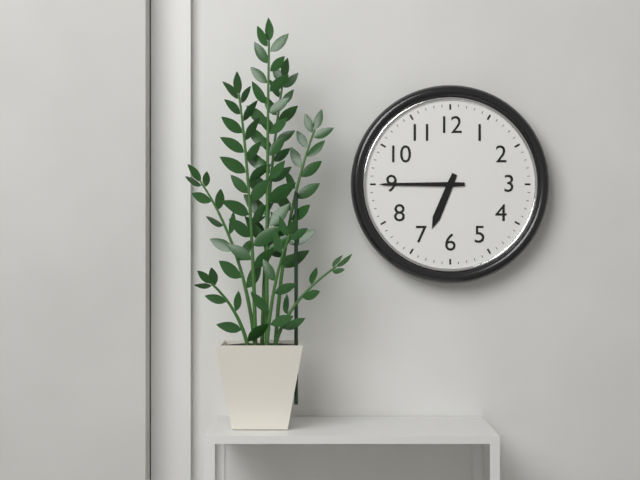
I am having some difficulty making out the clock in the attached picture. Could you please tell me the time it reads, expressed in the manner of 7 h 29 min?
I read 6 h 45 min
